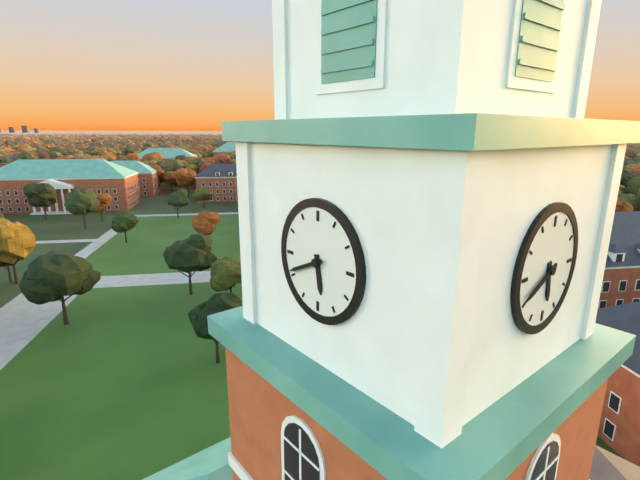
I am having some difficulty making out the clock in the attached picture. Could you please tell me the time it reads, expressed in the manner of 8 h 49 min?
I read 5 h 41 min
